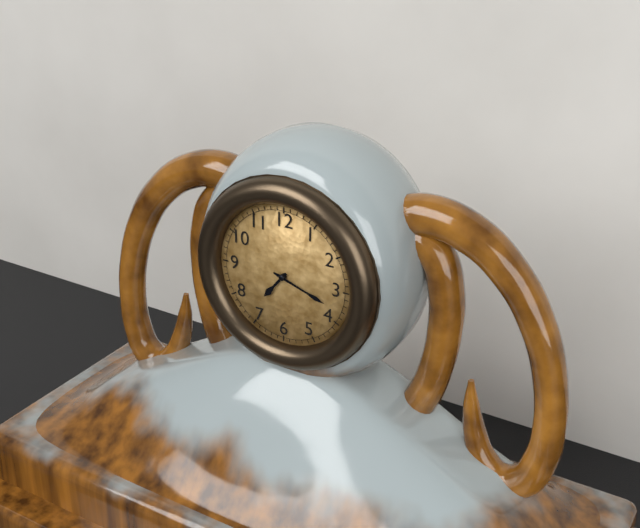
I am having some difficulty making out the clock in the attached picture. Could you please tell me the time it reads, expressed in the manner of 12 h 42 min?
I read 7 h 18 min
